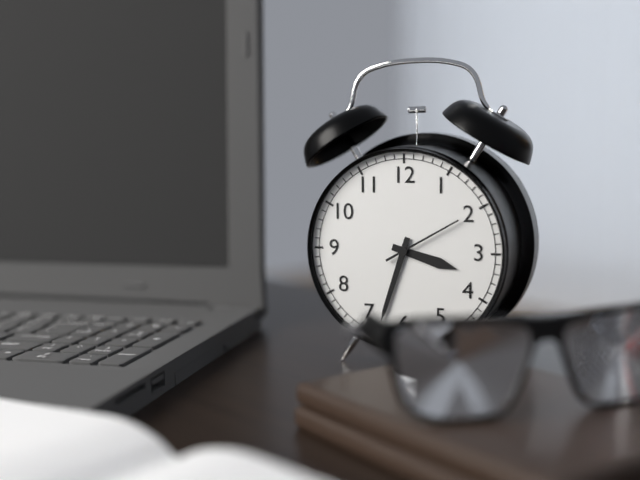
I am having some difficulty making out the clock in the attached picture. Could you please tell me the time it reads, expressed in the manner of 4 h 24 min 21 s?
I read 3 h 33 min 10 s
